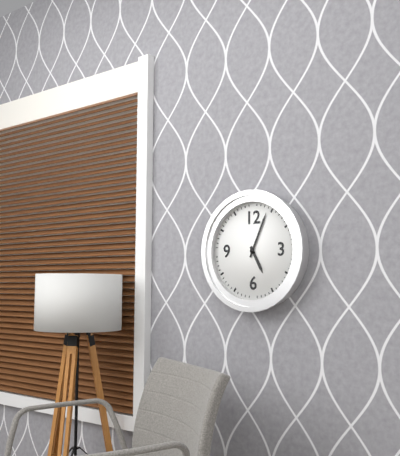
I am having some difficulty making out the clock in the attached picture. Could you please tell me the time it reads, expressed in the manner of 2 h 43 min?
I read 5 h 04 min
